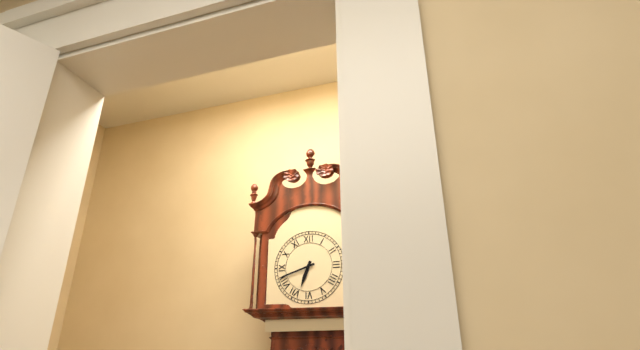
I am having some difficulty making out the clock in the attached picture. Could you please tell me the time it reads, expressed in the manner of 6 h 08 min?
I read 6 h 42 min
